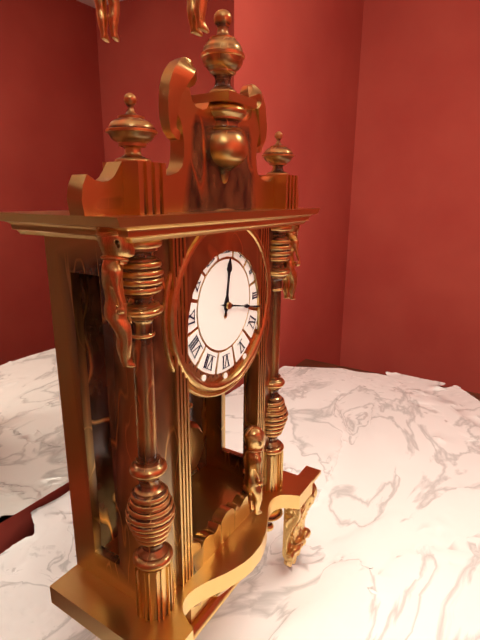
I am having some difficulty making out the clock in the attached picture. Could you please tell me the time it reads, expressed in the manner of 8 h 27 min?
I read 12 h 17 min
